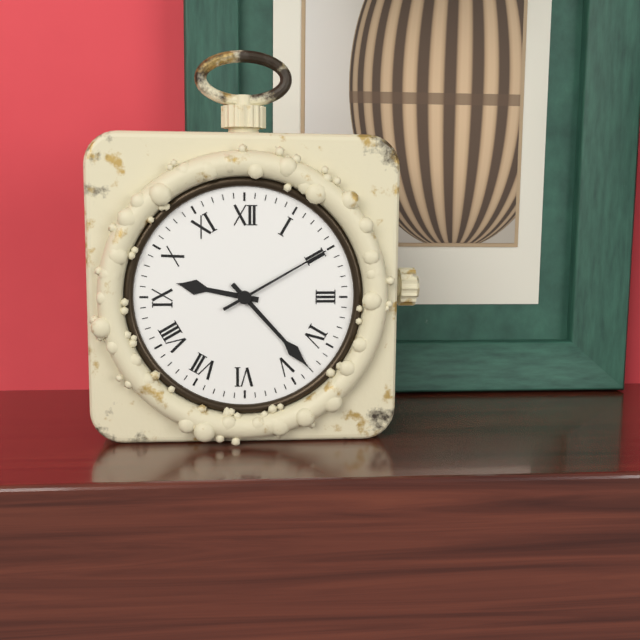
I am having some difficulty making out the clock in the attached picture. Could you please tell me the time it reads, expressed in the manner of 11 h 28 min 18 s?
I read 9 h 23 min 10 s
